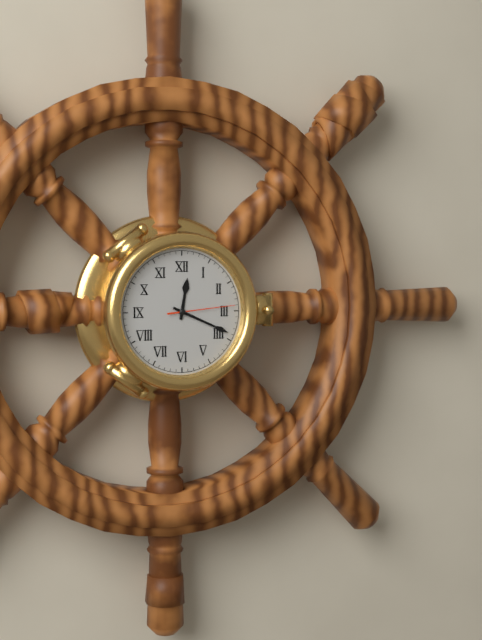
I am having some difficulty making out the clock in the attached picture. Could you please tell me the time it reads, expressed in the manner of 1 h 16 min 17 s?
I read 12 h 19 min 14 s
